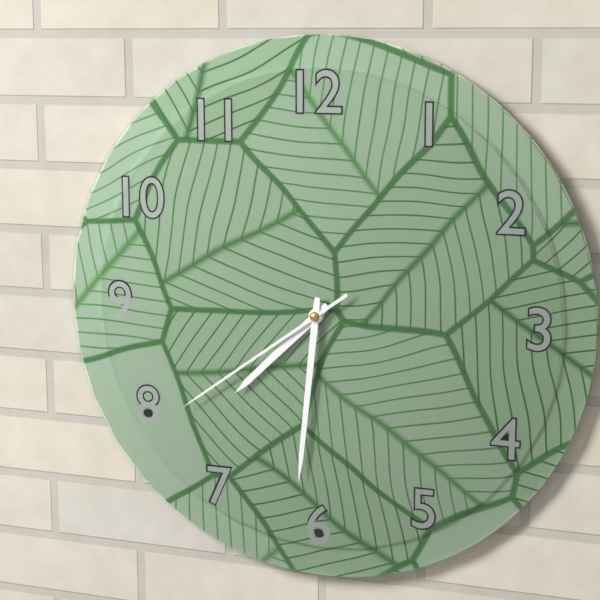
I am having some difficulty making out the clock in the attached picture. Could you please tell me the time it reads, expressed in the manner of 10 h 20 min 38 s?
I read 7 h 31 min 39 s
